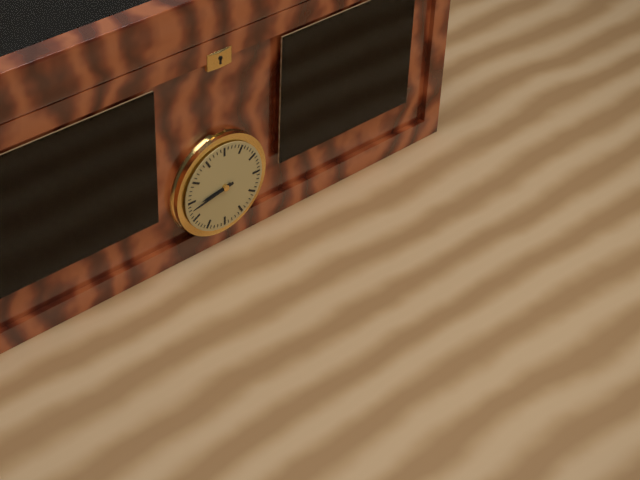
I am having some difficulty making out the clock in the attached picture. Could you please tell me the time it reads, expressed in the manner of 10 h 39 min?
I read 8 h 43 min
